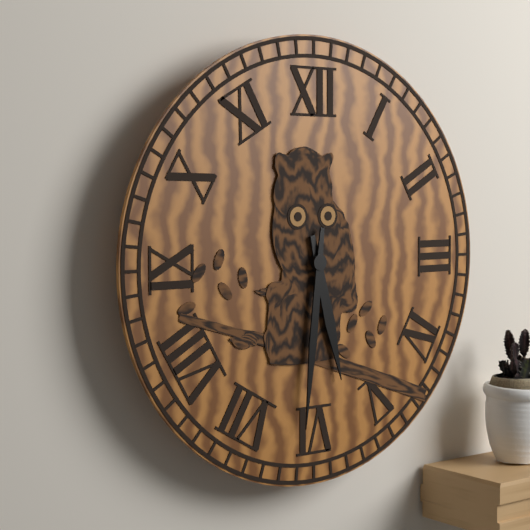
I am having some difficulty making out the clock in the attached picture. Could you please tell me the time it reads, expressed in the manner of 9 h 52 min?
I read 5 h 31 min
